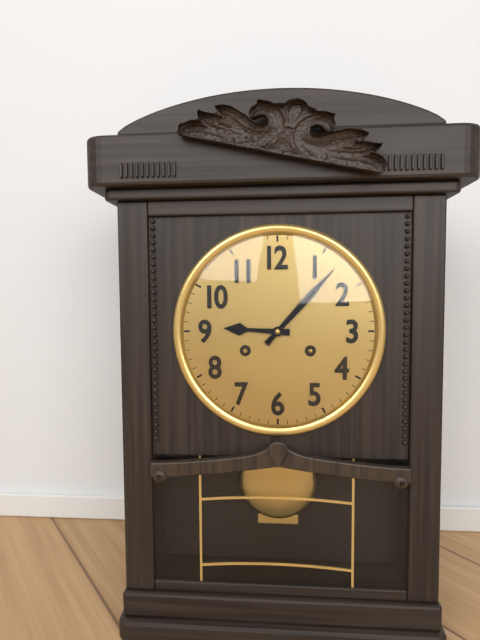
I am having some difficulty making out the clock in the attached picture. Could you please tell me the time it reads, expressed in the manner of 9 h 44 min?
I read 9 h 07 min
